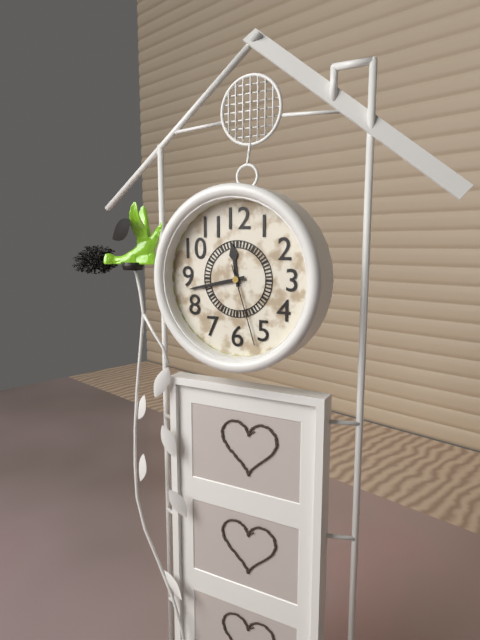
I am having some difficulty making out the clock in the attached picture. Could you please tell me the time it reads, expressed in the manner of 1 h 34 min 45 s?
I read 11 h 43 min 27 s
